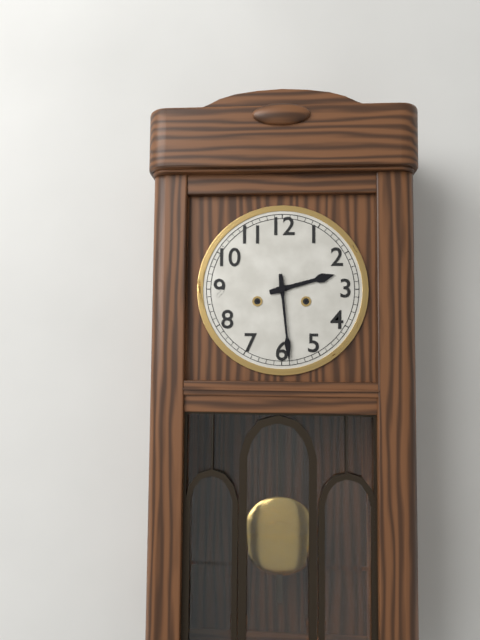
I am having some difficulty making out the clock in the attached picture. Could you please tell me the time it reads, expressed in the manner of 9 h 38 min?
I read 2 h 29 min
